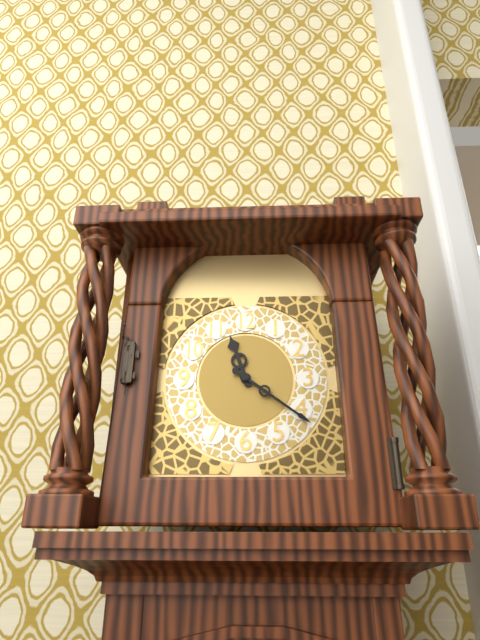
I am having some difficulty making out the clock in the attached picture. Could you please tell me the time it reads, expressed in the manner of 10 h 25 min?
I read 11 h 21 min
